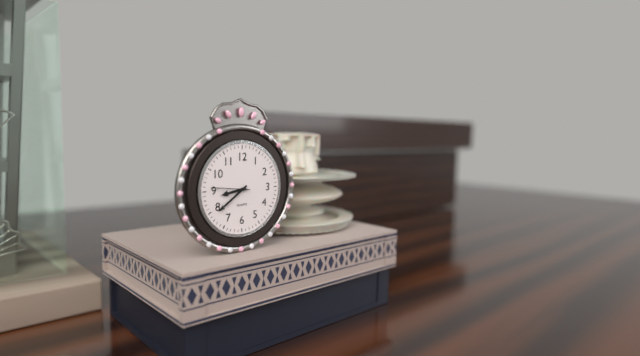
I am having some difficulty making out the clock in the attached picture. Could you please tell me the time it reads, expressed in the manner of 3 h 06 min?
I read 8 h 39 min
